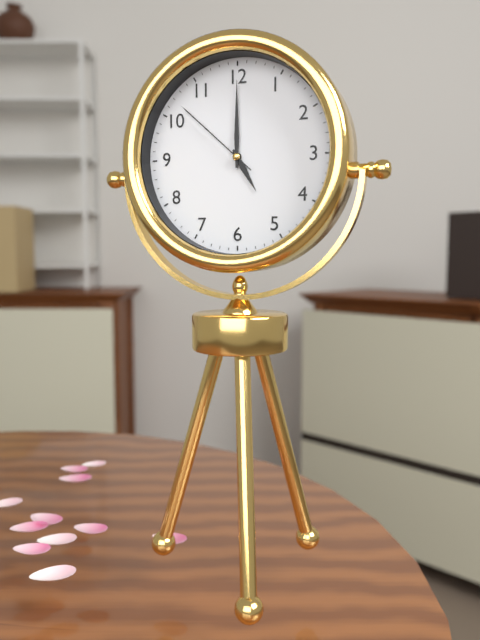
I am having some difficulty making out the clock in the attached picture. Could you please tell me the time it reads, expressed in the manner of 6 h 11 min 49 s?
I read 5 h 00 min 52 s
